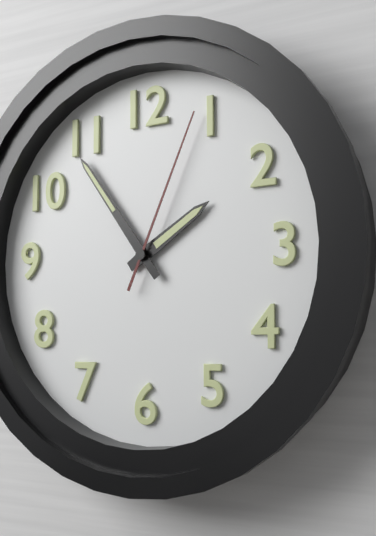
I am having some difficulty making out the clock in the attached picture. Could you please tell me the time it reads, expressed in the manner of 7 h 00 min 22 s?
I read 1 h 54 min 04 s
